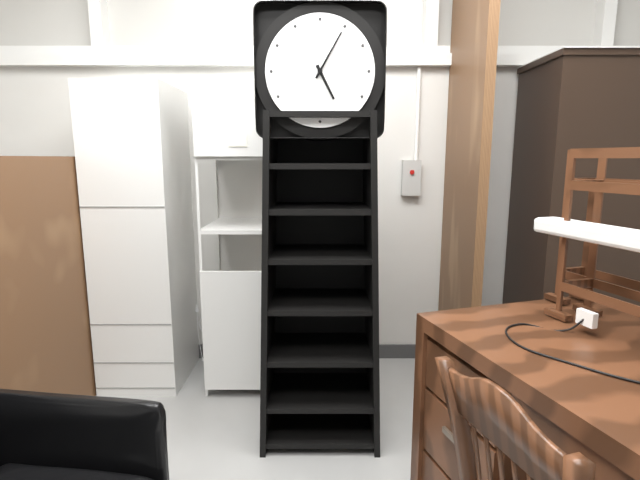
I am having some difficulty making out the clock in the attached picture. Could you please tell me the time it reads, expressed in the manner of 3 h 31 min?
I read 5 h 05 min
